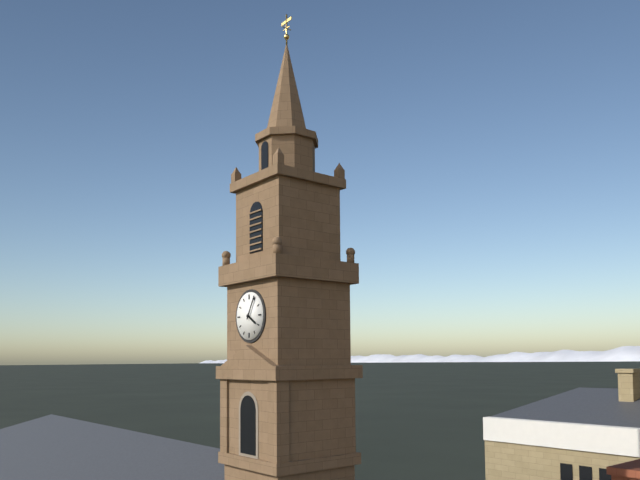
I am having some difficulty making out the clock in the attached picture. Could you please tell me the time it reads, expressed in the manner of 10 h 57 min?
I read 4 h 05 min
